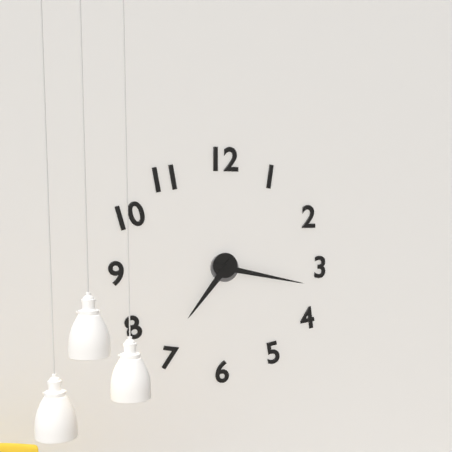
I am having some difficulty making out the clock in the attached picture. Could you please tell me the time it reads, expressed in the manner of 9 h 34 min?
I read 7 h 17 min
